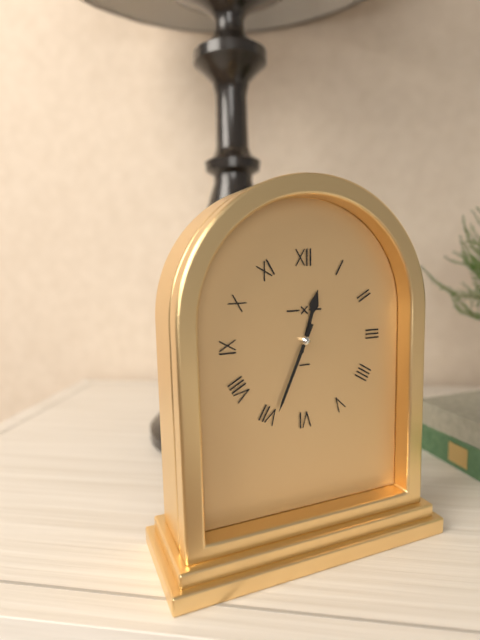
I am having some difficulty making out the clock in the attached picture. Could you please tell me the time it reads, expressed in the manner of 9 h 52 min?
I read 12 h 34 min
